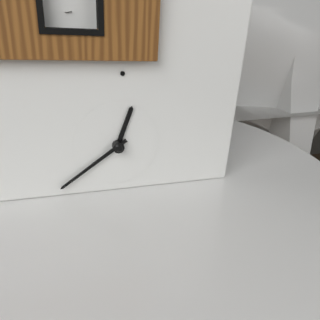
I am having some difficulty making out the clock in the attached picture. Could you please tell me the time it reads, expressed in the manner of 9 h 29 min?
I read 12 h 39 min
